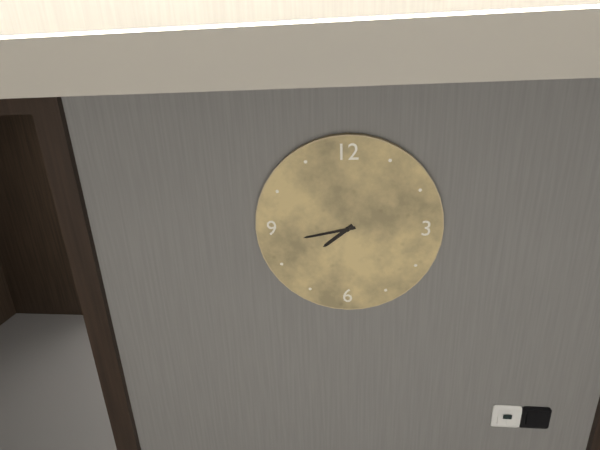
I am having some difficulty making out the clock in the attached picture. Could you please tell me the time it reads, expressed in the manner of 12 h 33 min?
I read 7 h 43 min
